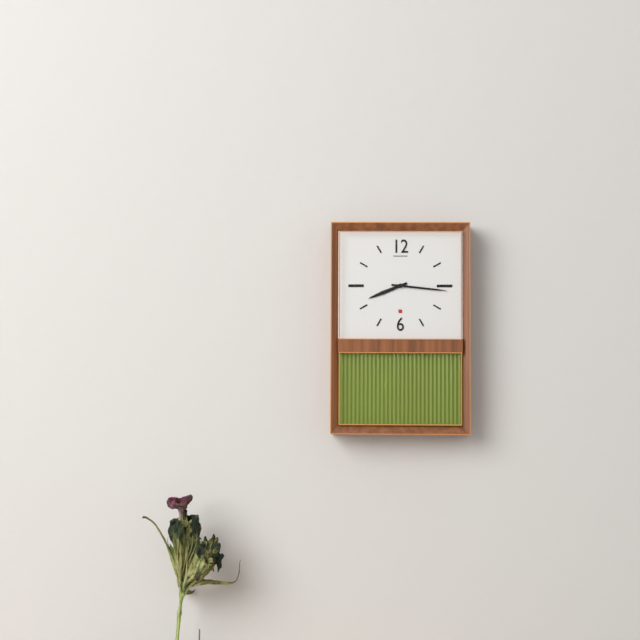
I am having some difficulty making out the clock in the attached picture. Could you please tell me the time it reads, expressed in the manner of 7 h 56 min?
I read 8 h 16 min
